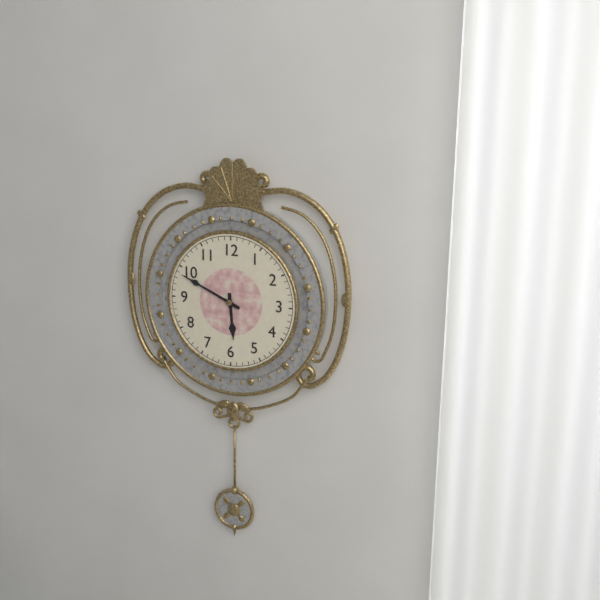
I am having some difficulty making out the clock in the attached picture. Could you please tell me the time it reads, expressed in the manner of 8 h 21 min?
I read 5 h 49 min
